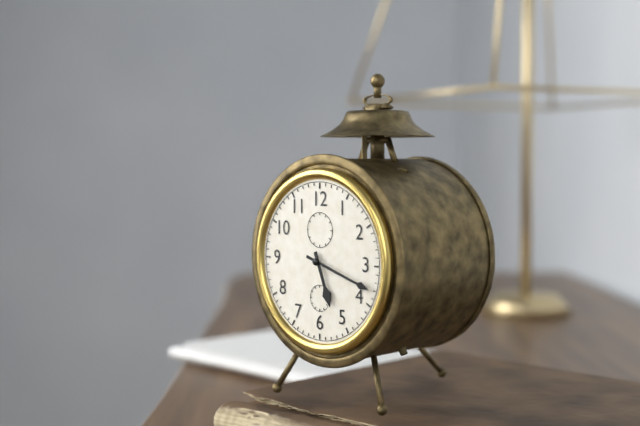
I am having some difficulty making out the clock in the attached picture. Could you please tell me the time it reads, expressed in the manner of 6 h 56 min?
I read 5 h 18 min
